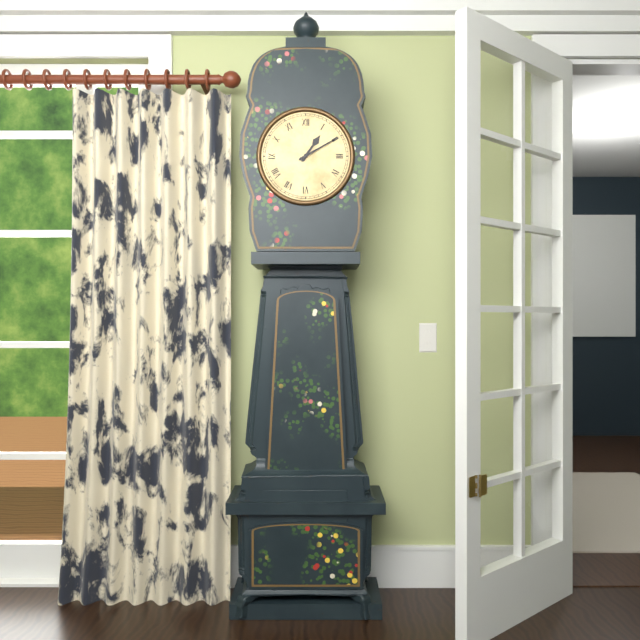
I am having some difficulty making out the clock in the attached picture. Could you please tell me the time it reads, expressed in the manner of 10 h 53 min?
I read 1 h 10 min
